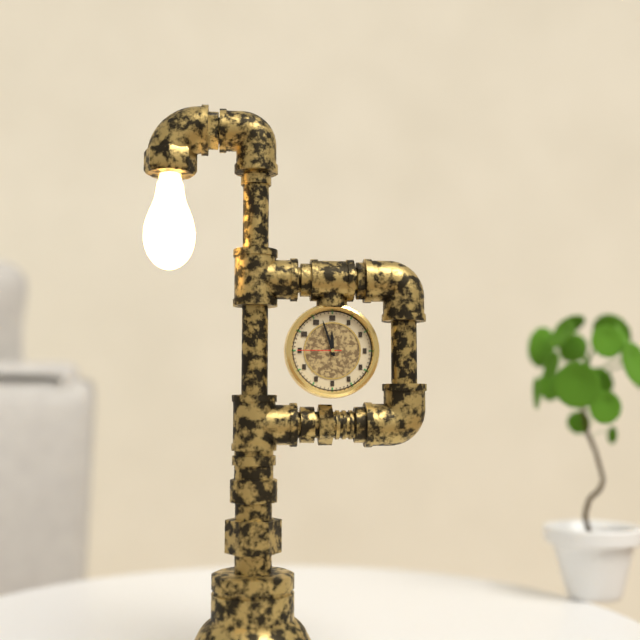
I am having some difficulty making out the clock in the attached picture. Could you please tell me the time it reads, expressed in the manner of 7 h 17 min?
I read 11 h 57 min
